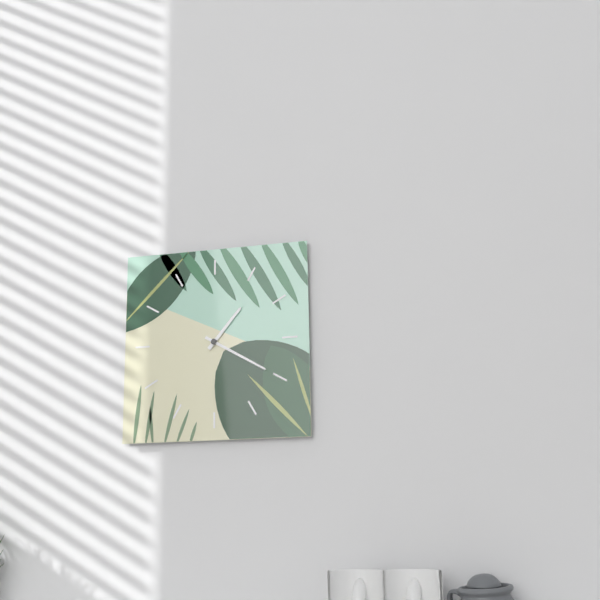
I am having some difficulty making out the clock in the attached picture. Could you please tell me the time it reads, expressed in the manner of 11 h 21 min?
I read 1 h 20 min
